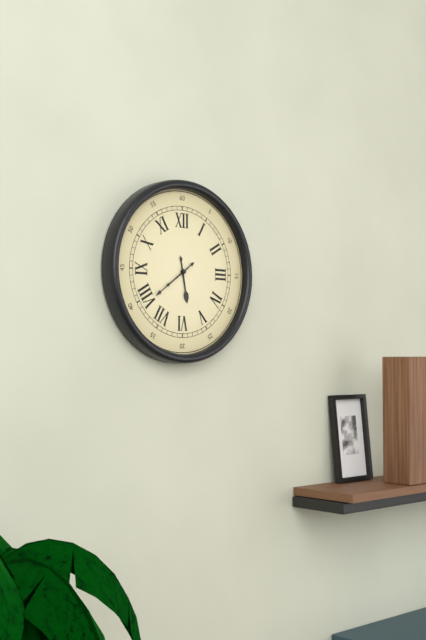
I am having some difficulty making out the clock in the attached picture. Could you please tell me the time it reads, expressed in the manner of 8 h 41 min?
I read 5 h 39 min
